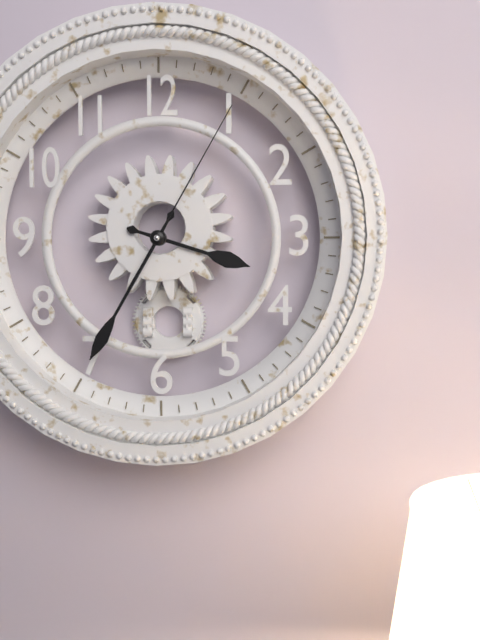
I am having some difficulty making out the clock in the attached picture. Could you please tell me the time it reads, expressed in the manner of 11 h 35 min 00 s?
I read 3 h 35 min 05 s
